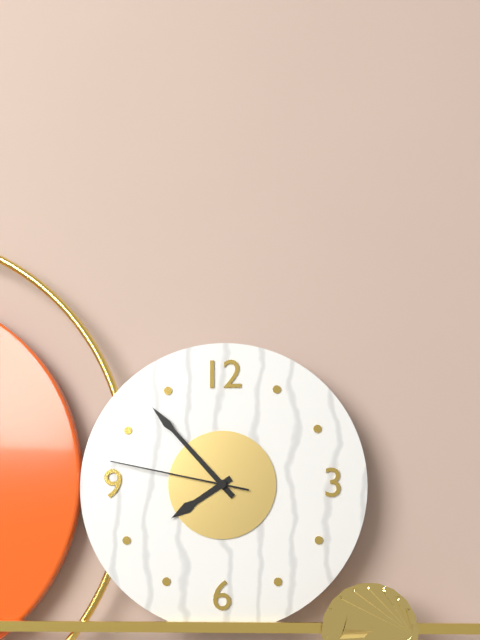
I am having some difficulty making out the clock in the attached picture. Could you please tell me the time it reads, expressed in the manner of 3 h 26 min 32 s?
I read 7 h 53 min 47 s
